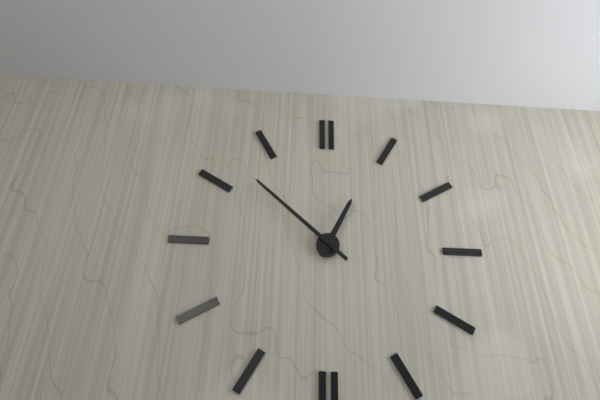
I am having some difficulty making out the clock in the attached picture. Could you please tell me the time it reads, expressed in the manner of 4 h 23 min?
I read 12 h 52 min
